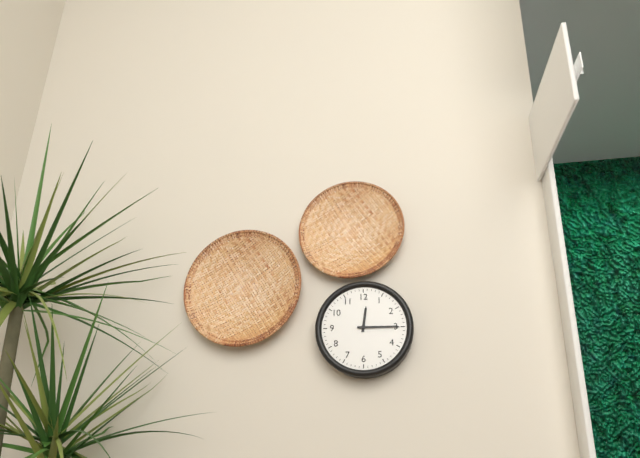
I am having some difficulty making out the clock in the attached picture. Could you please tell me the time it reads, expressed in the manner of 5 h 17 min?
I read 12 h 15 min
